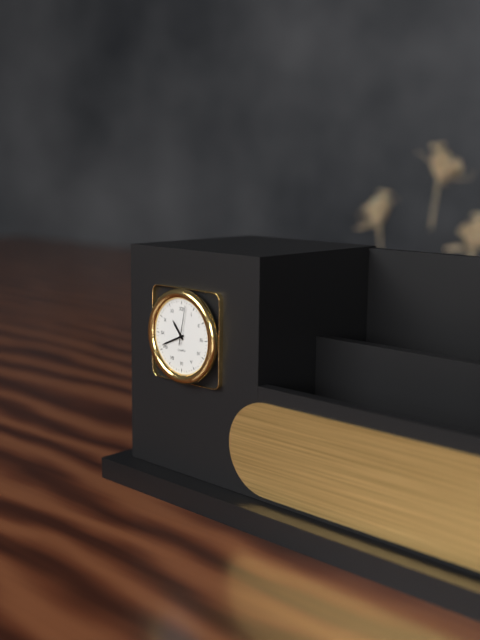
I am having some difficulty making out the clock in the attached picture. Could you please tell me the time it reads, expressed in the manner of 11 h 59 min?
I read 10 h 41 min
